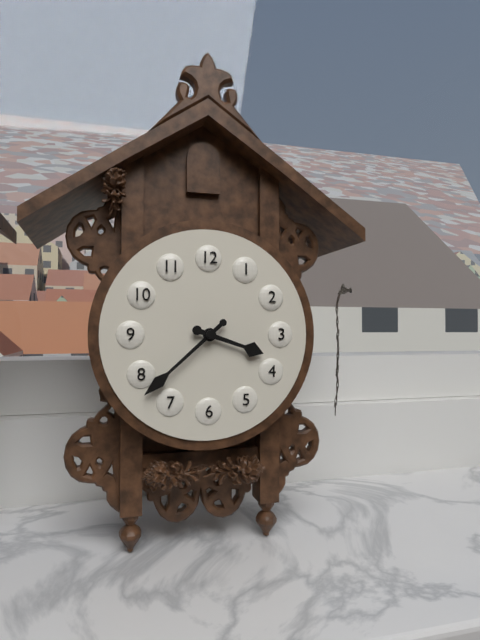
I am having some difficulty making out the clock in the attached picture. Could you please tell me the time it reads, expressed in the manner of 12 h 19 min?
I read 3 h 38 min
